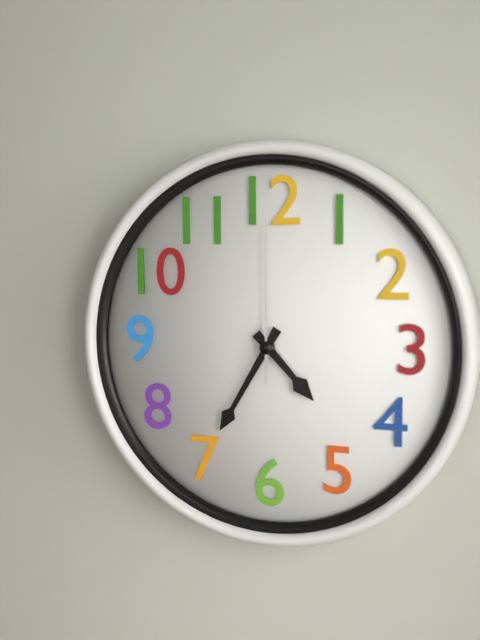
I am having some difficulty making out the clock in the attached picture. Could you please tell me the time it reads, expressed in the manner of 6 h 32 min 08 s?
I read 4 h 35 min 00 s
